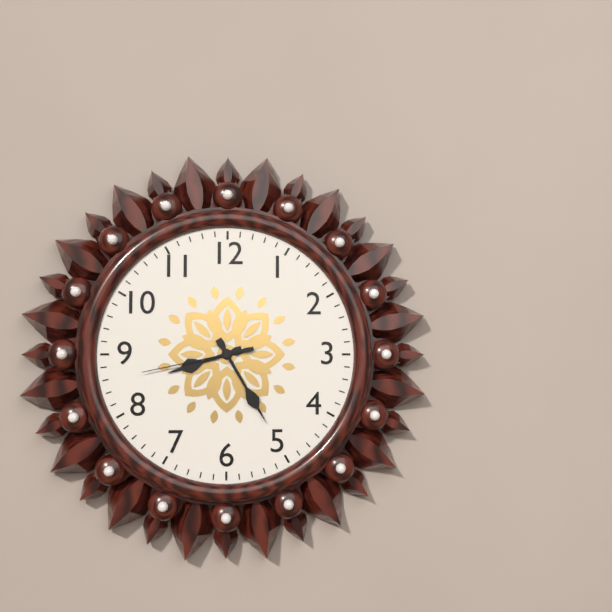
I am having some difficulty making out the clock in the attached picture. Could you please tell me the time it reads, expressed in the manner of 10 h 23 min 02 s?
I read 8 h 25 min 43 s
